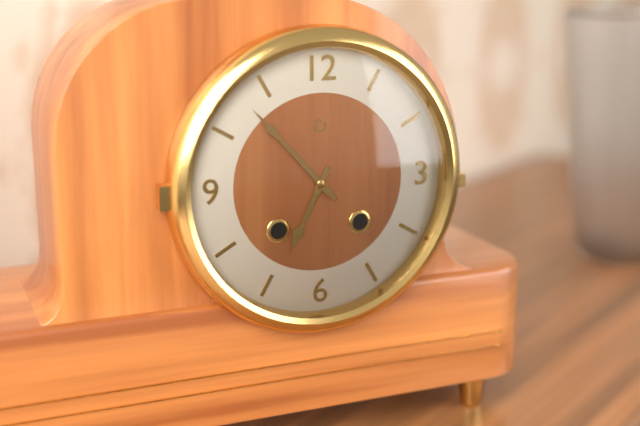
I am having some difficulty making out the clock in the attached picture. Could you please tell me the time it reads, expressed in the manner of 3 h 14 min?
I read 6 h 53 min
